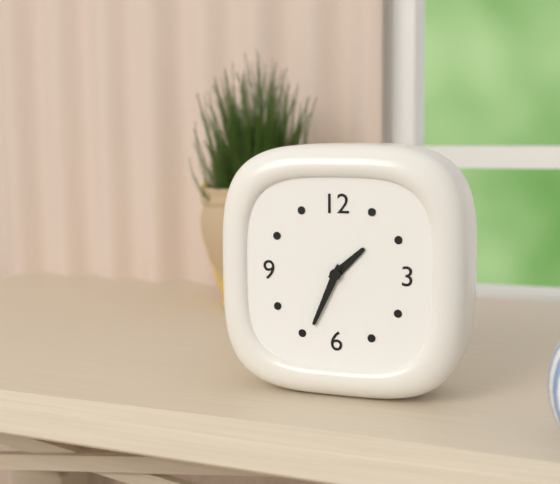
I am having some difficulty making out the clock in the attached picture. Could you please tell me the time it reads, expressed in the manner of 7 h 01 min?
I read 1 h 34 min
